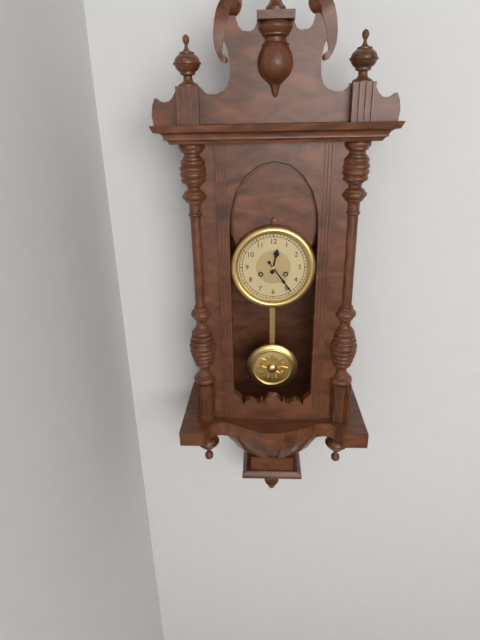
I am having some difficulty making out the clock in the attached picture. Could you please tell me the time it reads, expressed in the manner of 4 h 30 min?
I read 12 h 24 min
